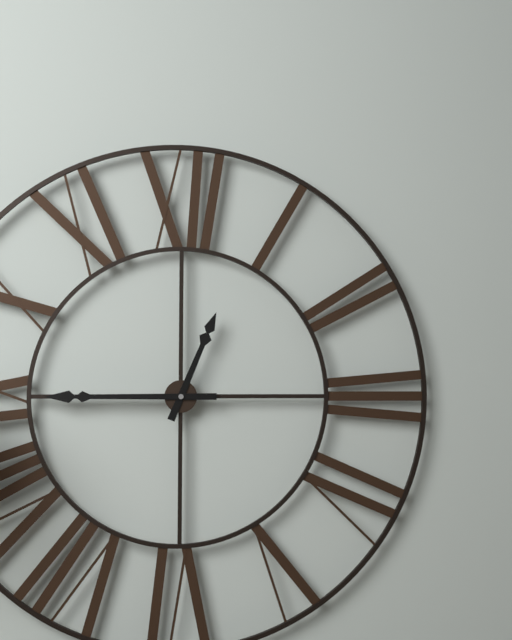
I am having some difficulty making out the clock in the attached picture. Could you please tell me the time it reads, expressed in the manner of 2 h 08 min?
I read 12 h 45 min
